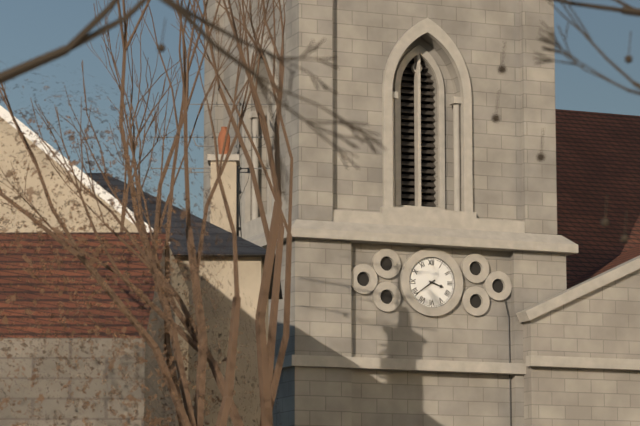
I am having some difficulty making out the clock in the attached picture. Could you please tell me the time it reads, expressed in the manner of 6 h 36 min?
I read 3 h 39 min
